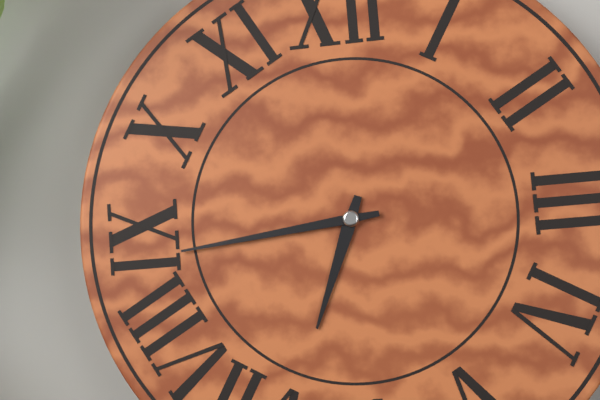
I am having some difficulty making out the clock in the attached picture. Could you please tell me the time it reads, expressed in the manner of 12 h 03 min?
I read 6 h 44 min
